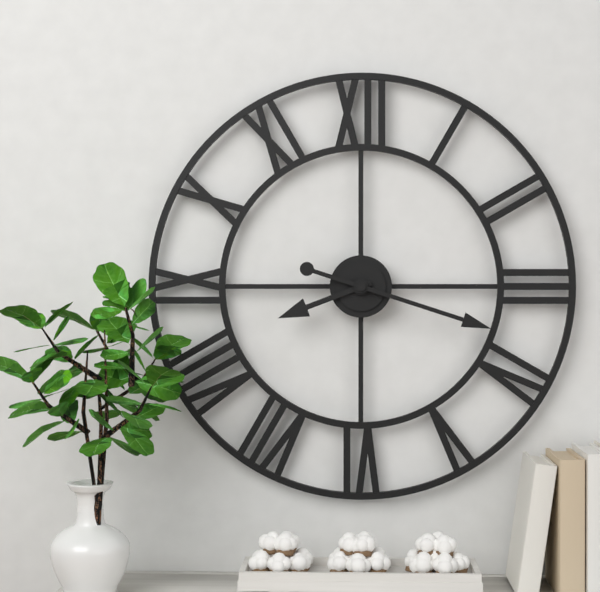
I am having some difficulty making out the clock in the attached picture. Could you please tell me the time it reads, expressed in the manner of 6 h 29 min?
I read 8 h 18 min
